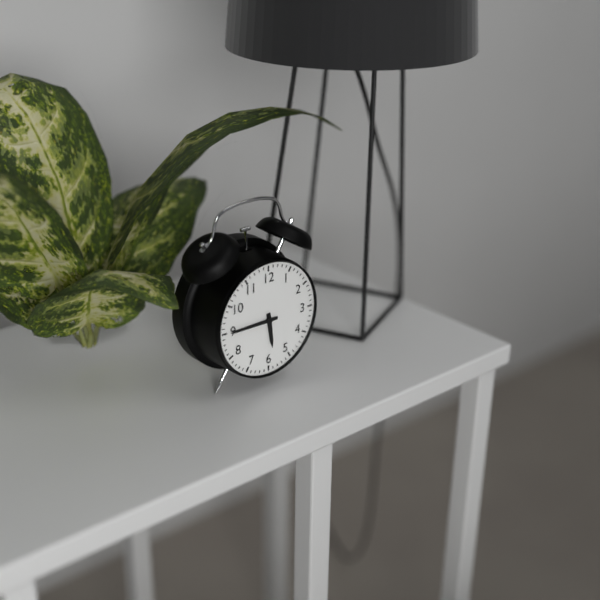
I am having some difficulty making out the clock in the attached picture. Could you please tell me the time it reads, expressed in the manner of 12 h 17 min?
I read 5 h 45 min
